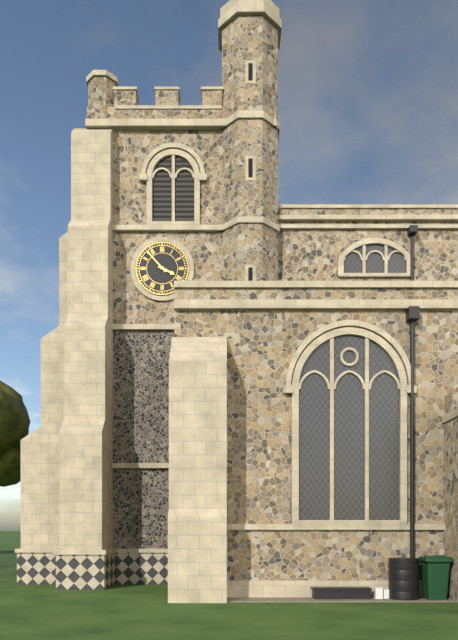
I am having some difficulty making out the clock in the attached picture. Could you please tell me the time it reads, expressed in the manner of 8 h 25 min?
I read 3 h 53 min
